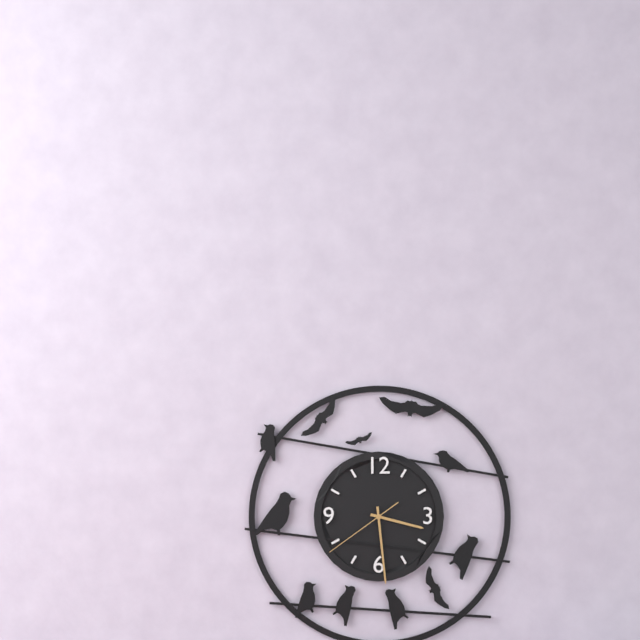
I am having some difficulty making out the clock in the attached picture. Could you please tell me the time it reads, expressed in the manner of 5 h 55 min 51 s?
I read 3 h 29 min 39 s
